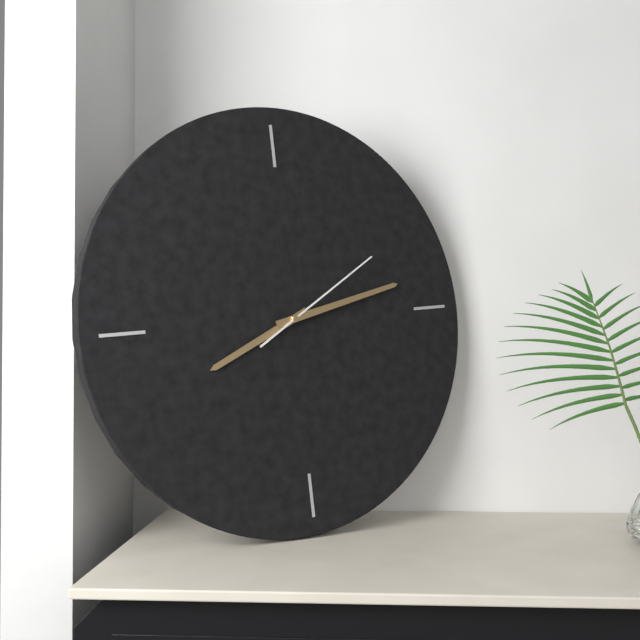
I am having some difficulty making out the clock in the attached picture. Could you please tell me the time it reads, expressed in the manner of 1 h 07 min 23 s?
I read 8 h 13 min 10 s
